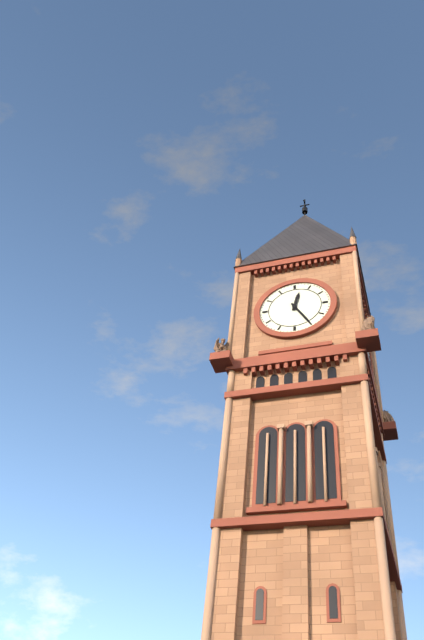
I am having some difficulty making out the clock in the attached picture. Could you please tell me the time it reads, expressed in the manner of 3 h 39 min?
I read 12 h 25 min
